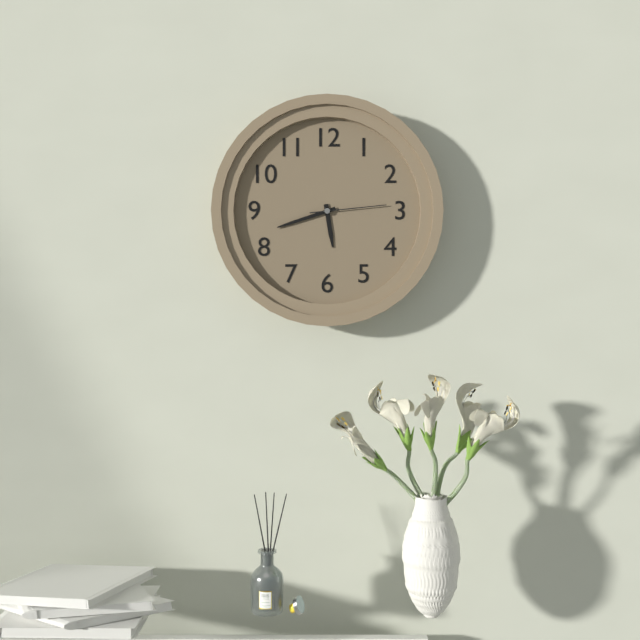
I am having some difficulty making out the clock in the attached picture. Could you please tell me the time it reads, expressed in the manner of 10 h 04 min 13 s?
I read 5 h 42 min 14 s
